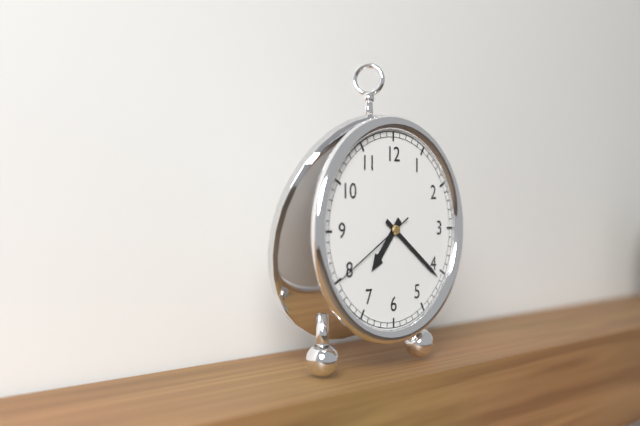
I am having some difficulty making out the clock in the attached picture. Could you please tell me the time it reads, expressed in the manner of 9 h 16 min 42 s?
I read 7 h 21 min 40 s
